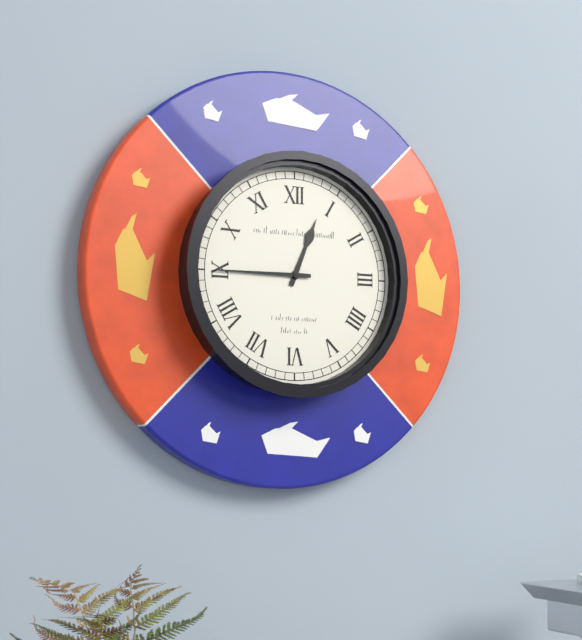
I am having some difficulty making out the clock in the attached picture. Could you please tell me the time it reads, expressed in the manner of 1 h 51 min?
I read 12 h 45 min
